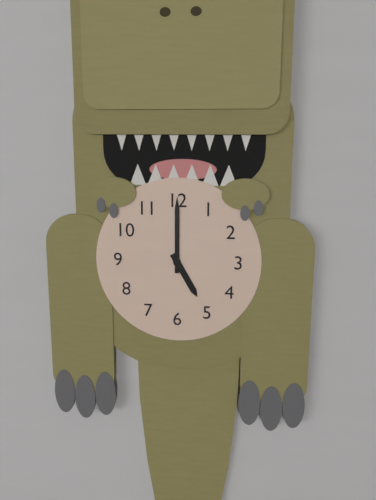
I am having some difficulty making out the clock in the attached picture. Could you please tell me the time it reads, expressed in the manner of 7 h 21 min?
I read 5 h 00 min
